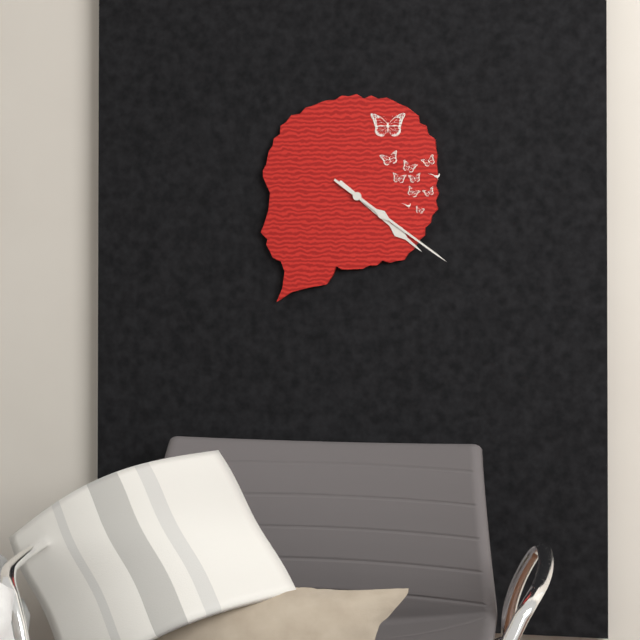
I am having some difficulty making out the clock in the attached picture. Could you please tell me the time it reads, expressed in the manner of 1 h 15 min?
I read 4 h 21 min
